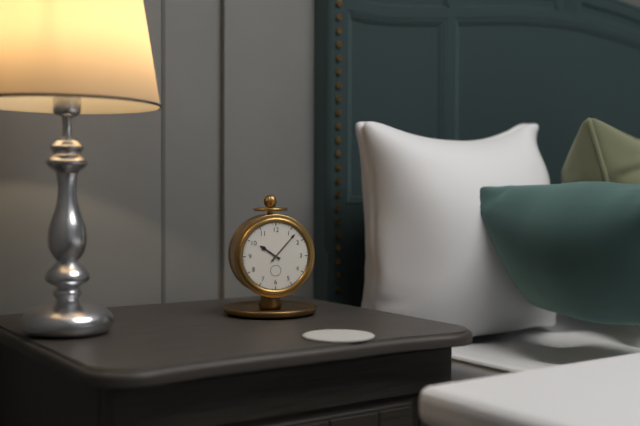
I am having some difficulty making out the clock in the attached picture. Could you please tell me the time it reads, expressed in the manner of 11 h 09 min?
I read 10 h 07 min
